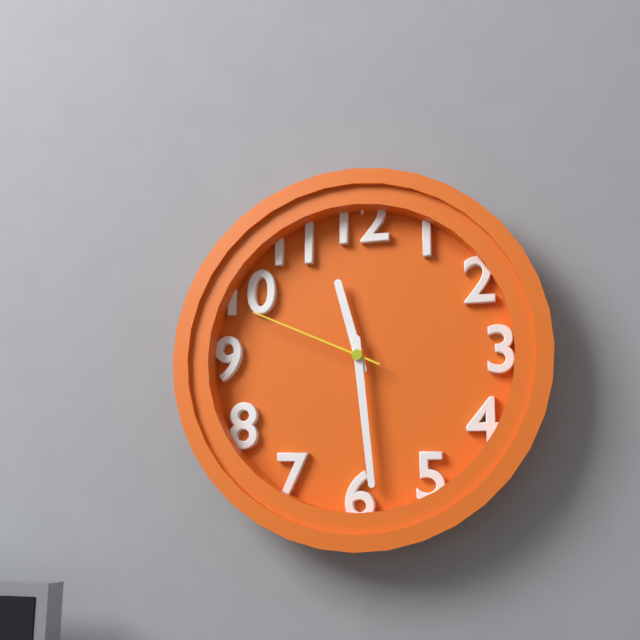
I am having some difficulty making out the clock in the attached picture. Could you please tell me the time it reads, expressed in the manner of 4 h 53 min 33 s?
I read 11 h 29 min 49 s
